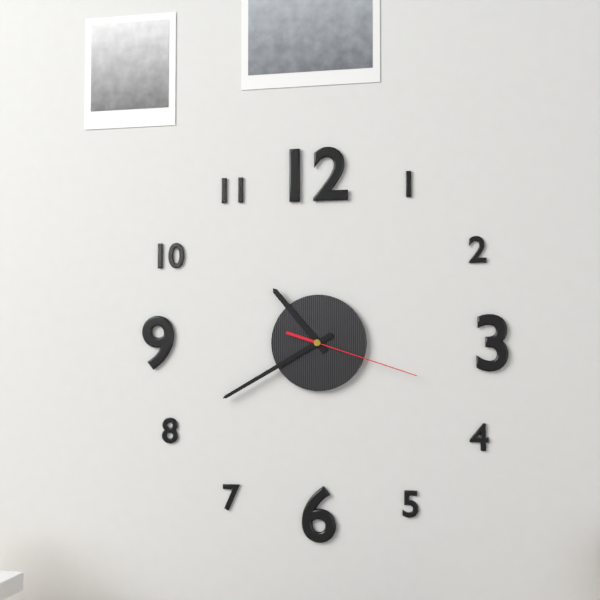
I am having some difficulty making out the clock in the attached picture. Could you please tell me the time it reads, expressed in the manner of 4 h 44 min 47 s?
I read 10 h 40 min 18 s
